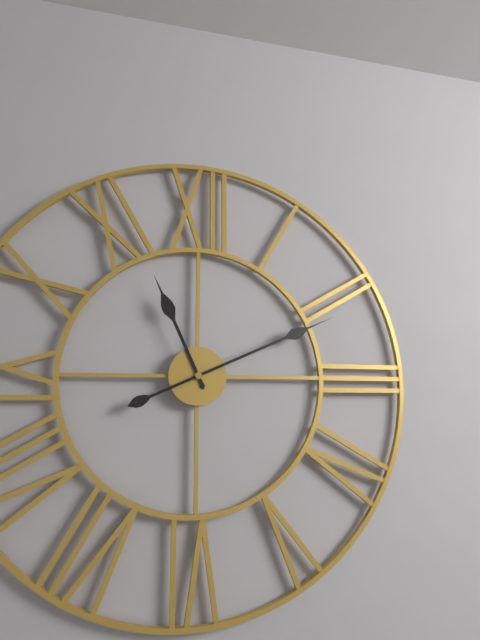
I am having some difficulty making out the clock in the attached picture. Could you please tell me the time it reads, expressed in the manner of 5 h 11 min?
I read 11 h 11 min
